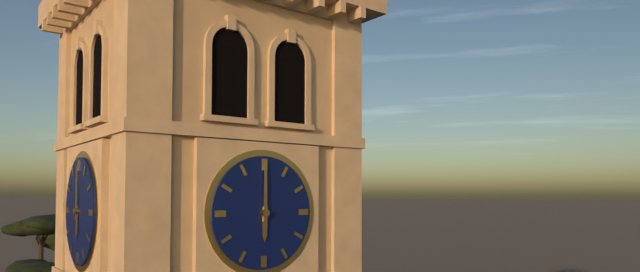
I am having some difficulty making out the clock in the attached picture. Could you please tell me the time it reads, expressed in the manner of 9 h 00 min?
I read 6 h 00 min
